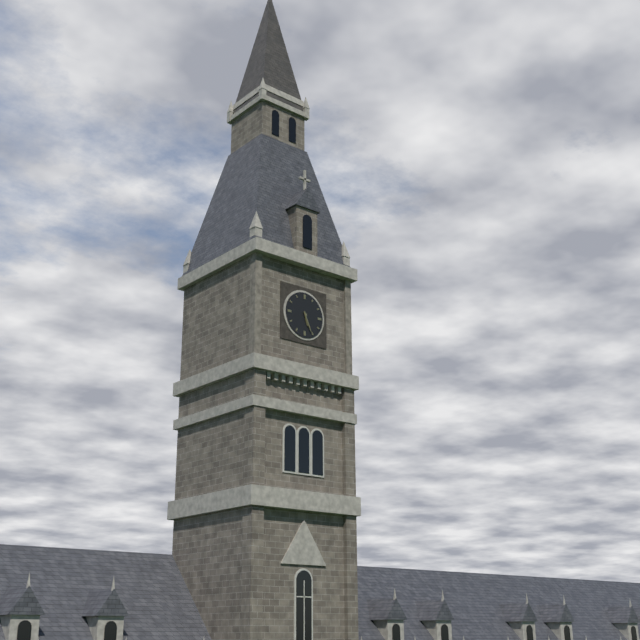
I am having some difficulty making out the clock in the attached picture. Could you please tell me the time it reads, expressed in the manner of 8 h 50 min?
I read 5 h 26 min
